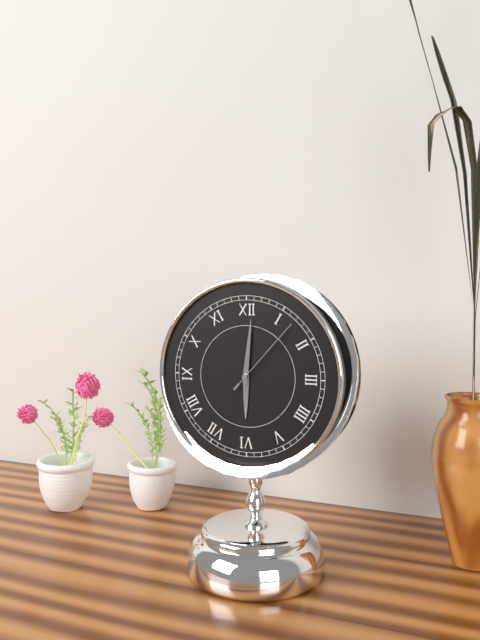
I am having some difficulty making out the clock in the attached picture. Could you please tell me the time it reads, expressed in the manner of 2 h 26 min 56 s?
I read 6 h 01 min 07 s
